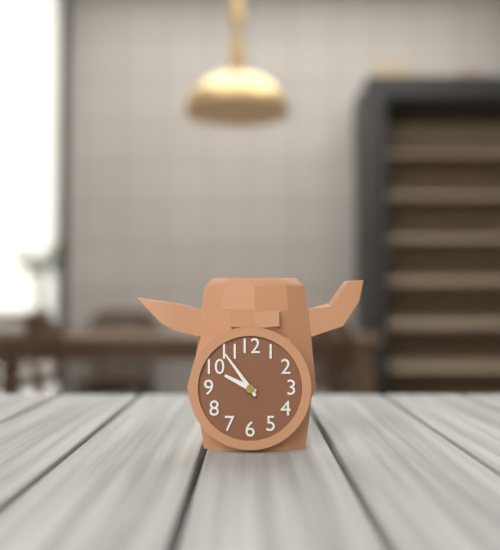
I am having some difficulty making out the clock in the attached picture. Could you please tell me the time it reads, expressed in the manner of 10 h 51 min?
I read 9 h 54 min
